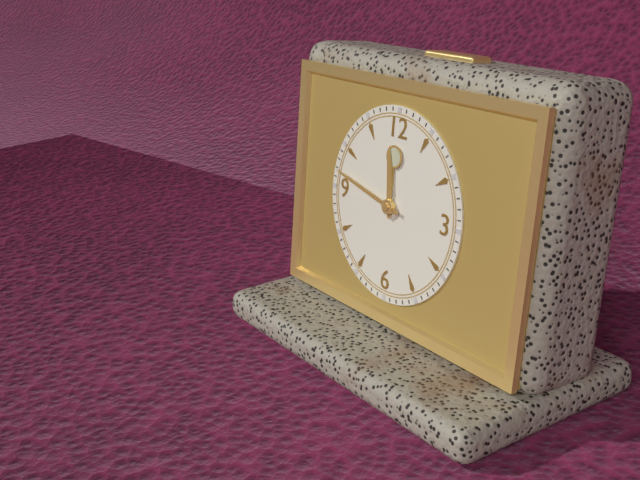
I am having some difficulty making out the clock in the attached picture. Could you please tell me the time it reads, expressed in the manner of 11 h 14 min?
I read 11 h 47 min
